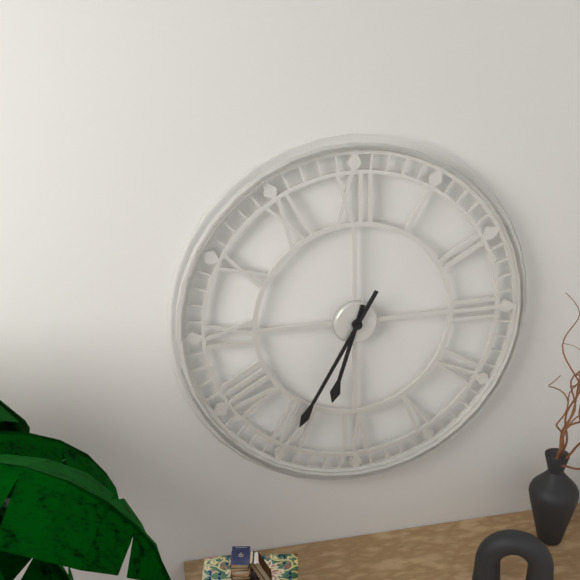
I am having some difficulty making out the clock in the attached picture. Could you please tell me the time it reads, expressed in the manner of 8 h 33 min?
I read 6 h 35 min
